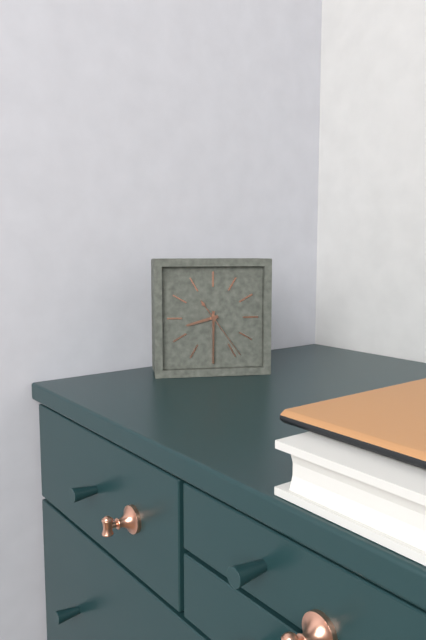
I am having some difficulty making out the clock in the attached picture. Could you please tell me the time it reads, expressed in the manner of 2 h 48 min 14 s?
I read 8 h 30 min 24 s
